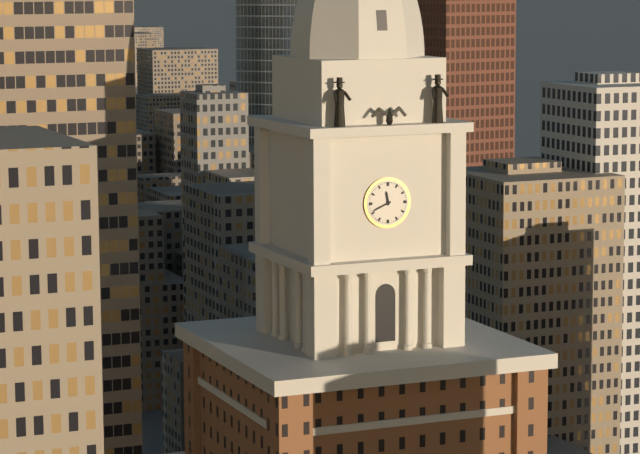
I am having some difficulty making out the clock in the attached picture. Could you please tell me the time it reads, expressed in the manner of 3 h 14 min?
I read 11 h 41 min
